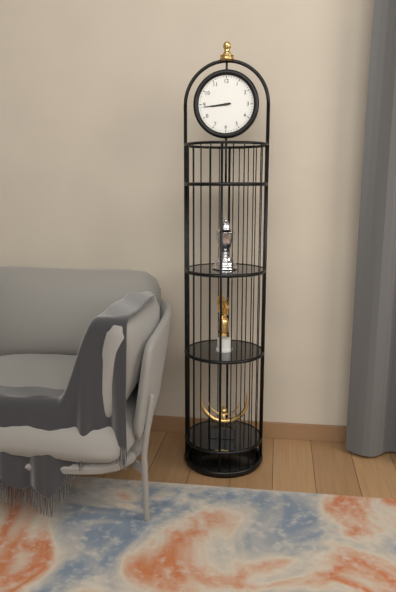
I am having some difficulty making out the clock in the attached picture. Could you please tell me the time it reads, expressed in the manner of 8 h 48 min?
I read 8 h 44 min
